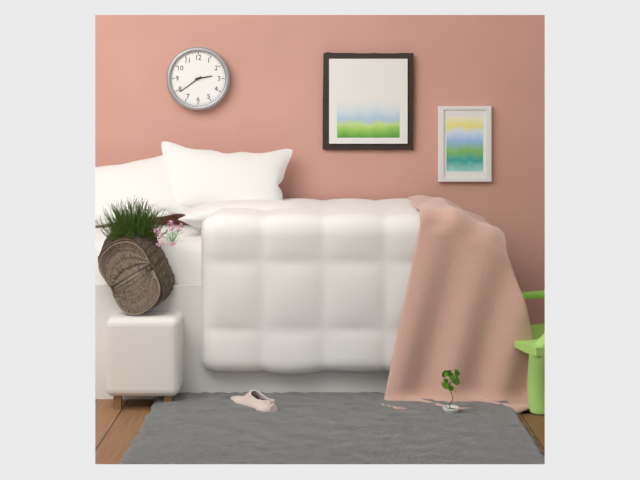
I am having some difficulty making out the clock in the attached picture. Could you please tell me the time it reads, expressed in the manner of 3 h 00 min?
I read 2 h 39 min
